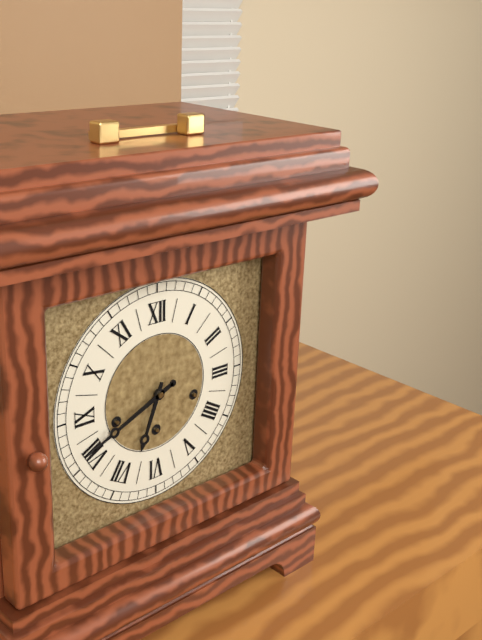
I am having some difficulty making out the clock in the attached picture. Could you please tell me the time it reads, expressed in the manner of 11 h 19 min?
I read 6 h 41 min
